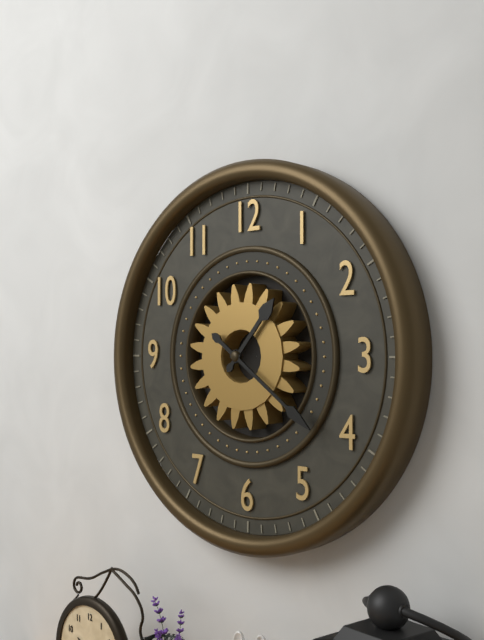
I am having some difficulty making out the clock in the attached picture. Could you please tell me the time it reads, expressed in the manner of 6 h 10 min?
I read 1 h 21 min
